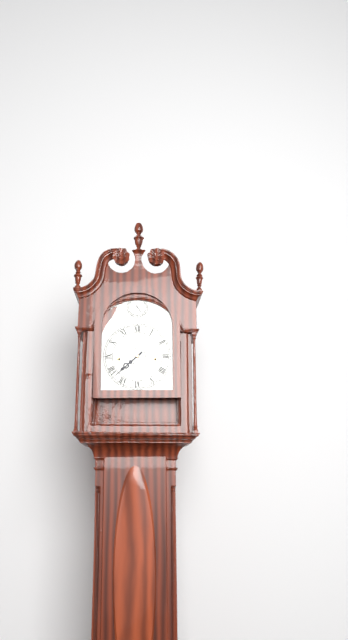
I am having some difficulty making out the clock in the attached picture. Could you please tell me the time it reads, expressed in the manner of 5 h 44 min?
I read 7 h 38 min
